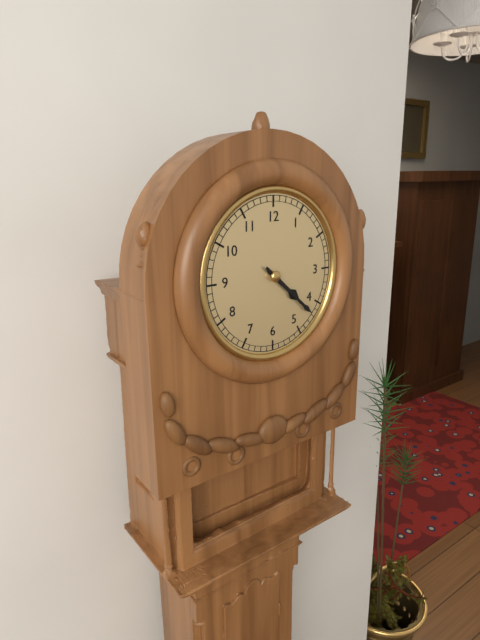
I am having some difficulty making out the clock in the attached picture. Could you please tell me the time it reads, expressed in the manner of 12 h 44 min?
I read 4 h 22 min
